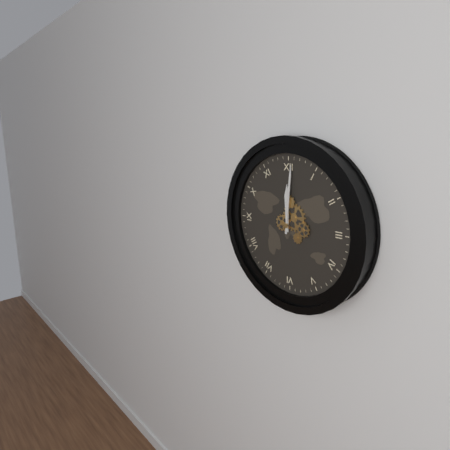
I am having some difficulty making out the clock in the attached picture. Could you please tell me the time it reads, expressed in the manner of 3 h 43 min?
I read 12 h 01 min
